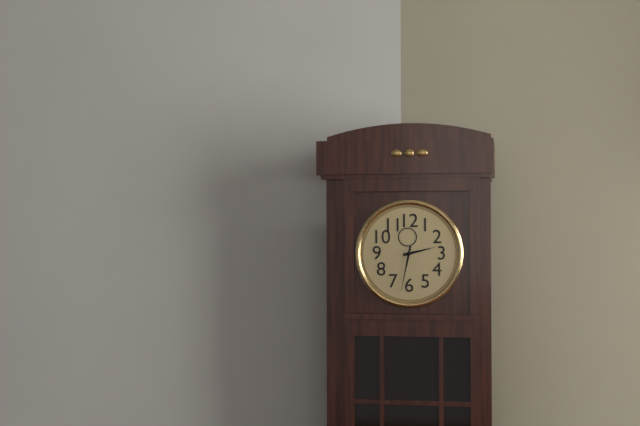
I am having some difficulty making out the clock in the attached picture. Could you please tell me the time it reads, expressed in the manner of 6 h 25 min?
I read 2 h 32 min
